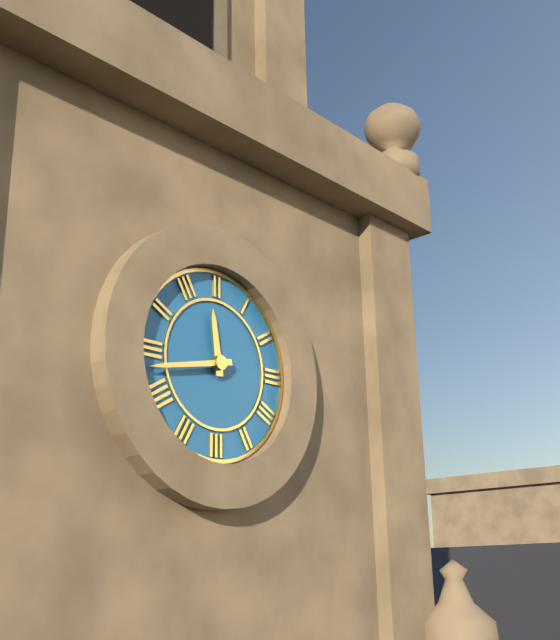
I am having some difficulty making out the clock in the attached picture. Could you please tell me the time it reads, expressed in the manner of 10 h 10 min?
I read 11 h 43 min
